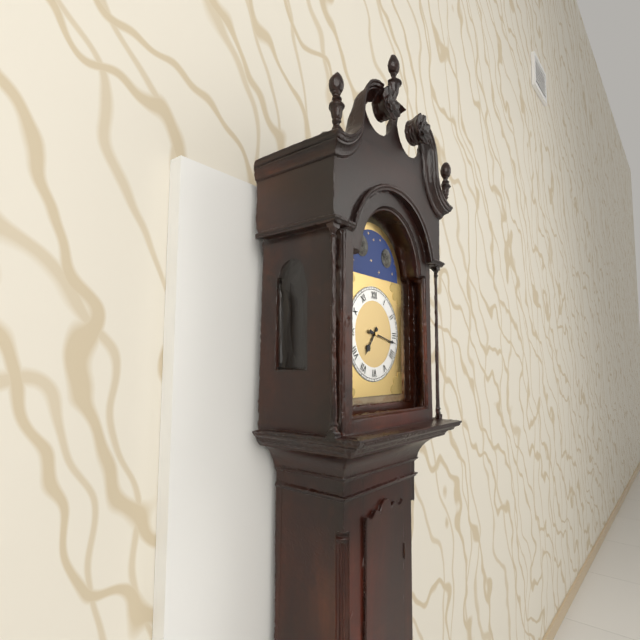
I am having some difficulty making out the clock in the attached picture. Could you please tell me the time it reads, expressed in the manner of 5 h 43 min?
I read 7 h 17 min
